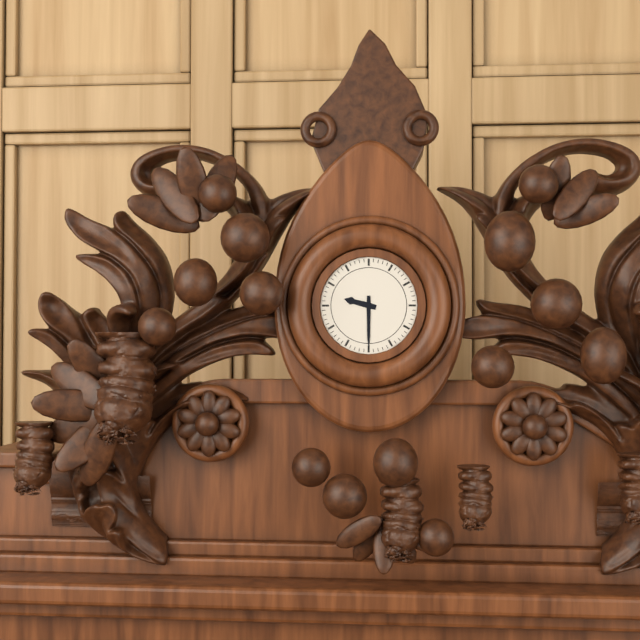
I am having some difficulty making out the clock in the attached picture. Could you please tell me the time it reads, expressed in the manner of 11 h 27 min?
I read 9 h 30 min
